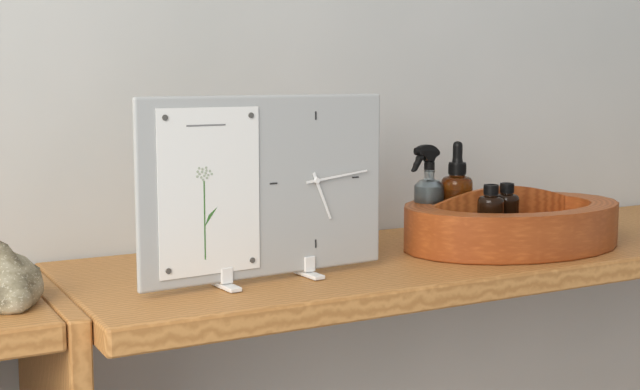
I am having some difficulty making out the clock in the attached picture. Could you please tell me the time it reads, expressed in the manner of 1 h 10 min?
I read 5 h 14 min
